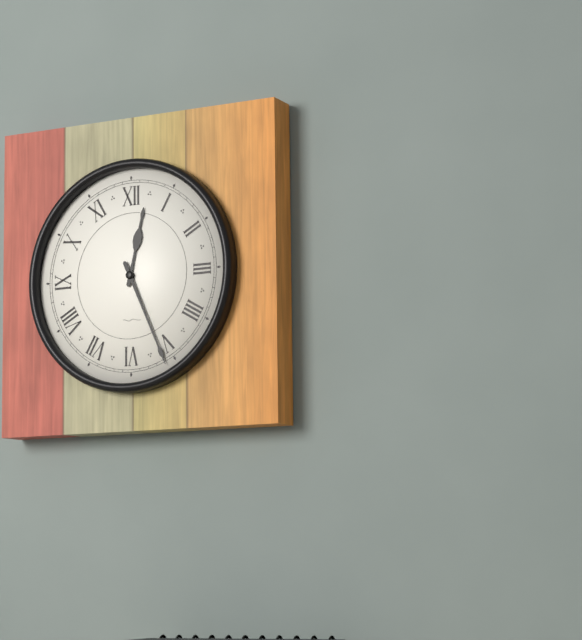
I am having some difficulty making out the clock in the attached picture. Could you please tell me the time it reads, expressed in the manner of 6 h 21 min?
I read 12 h 26 min
